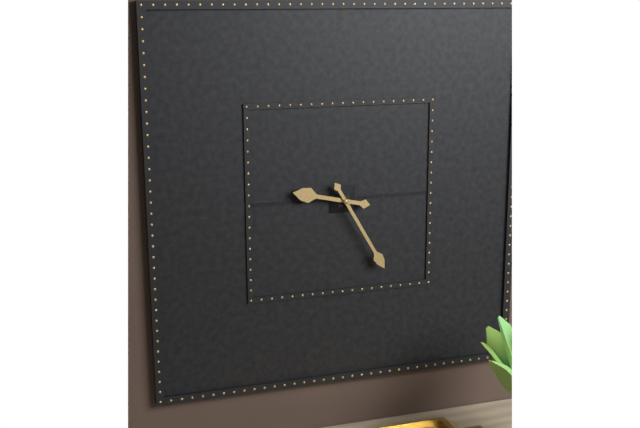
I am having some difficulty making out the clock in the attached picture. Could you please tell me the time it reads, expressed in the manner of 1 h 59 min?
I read 9 h 25 min
